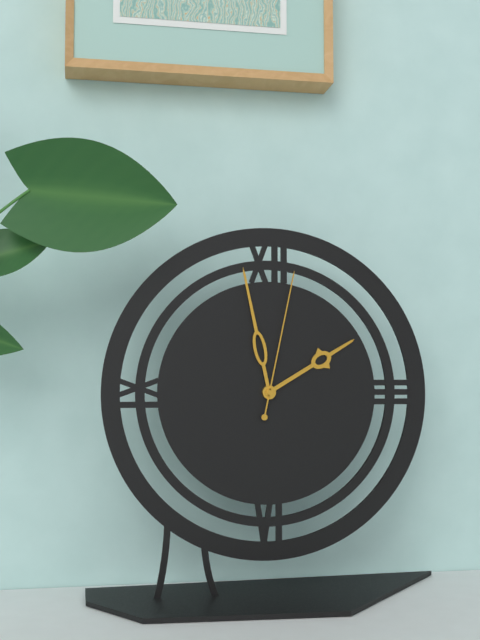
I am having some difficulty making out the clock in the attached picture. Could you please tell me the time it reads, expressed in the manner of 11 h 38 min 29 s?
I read 1 h 58 min 02 s
